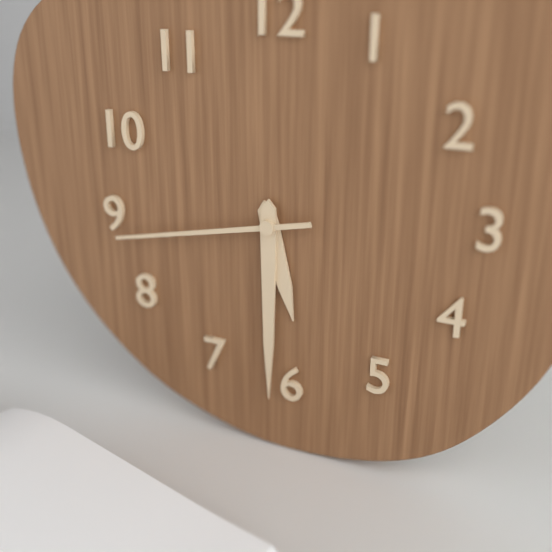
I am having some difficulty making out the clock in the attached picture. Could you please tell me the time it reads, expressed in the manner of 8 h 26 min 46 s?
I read 5 h 30 min 43 s
